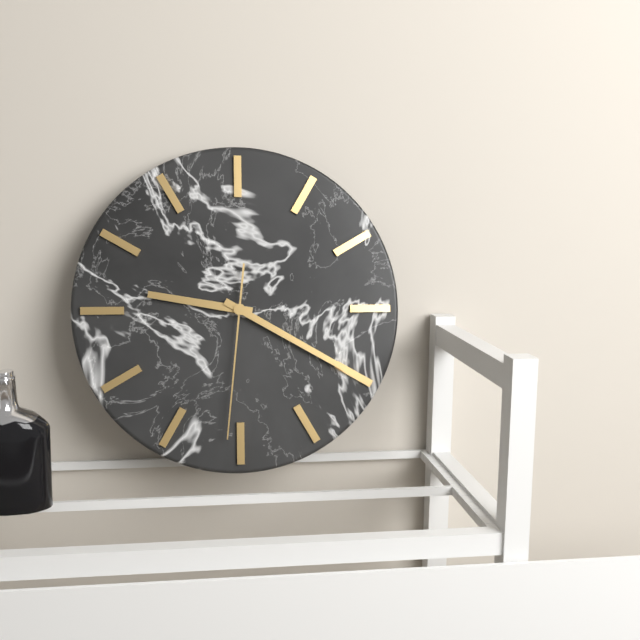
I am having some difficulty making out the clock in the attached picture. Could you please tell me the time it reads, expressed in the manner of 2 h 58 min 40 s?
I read 9 h 20 min 31 s
